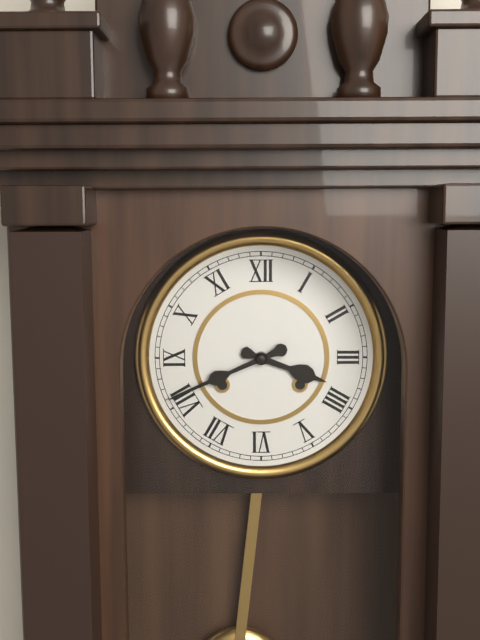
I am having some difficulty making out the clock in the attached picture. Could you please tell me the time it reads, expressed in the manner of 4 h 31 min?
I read 3 h 41 min
